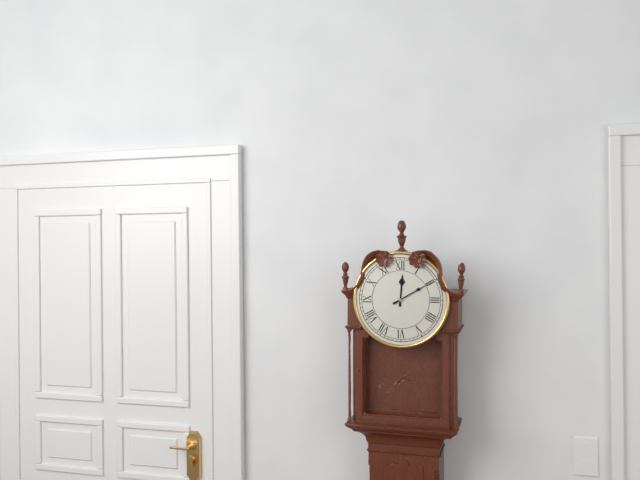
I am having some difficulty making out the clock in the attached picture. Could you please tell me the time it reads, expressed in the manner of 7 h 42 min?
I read 12 h 10 min
